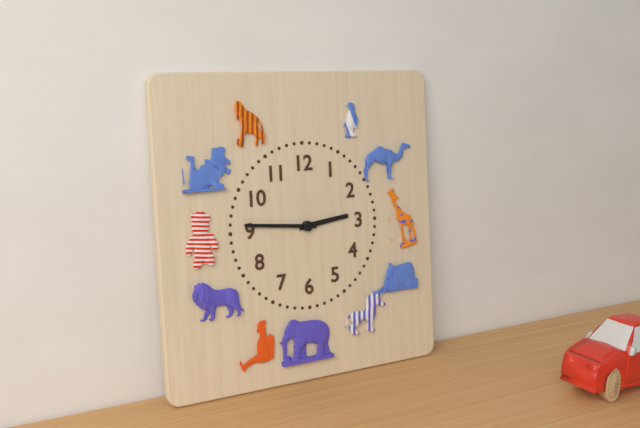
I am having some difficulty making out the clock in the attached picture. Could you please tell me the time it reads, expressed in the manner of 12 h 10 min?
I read 2 h 46 min
